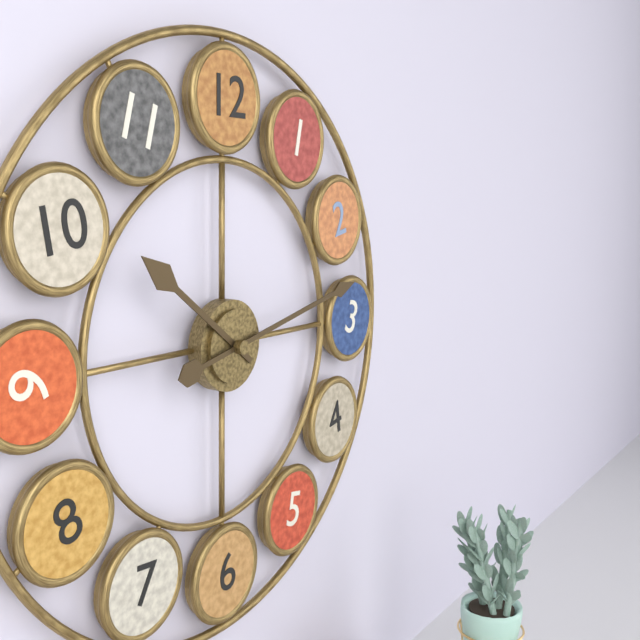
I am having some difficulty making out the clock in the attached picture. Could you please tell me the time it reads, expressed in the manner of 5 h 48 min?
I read 10 h 13 min
